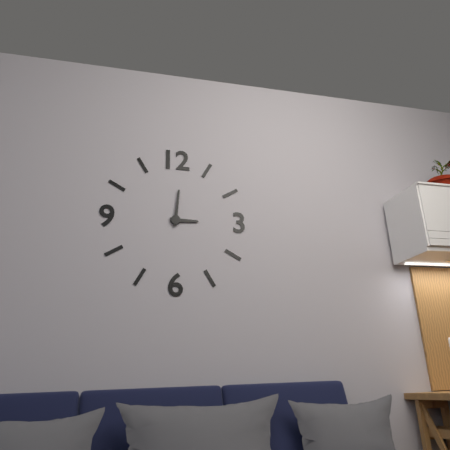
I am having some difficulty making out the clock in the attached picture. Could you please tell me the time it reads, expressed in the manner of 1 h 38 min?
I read 3 h 01 min
